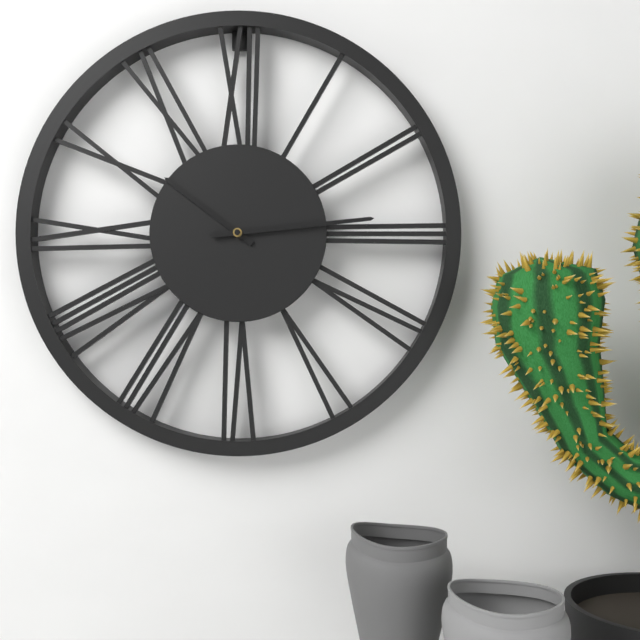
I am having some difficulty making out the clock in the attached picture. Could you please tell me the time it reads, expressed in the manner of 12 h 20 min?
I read 10 h 14 min
